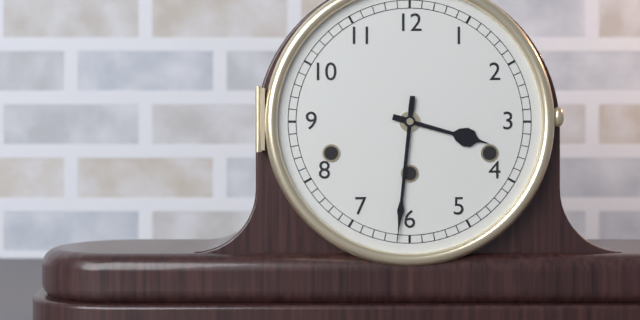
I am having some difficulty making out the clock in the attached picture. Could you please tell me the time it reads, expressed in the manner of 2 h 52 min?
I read 3 h 31 min
